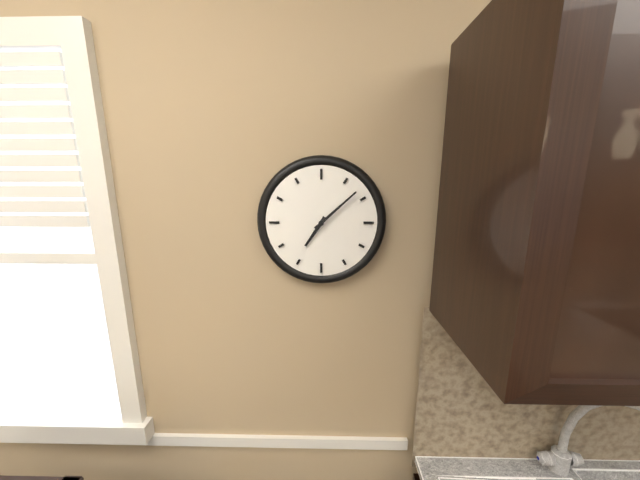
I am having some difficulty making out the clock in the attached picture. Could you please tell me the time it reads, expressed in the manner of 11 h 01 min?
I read 7 h 08 min
